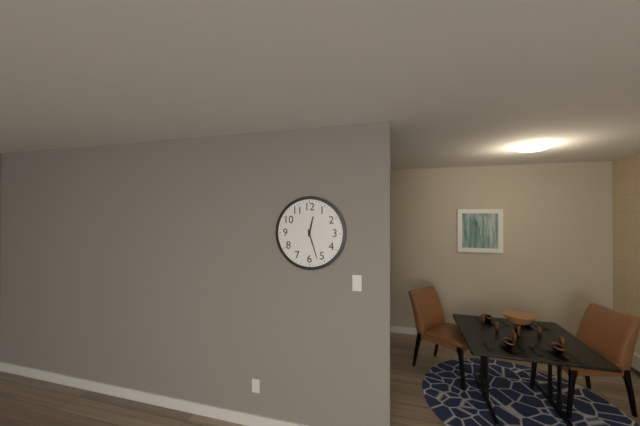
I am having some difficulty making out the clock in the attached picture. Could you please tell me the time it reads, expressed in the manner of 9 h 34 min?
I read 12 h 27 min
